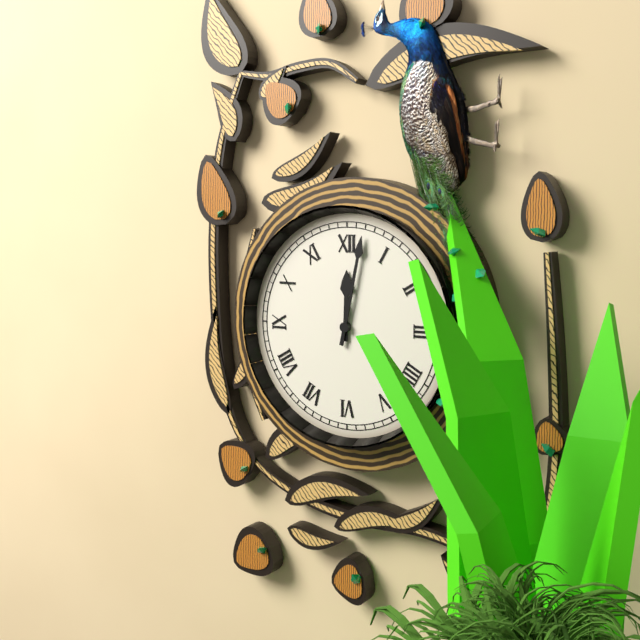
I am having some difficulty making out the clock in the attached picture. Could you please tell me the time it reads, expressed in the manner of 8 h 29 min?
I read 12 h 02 min
